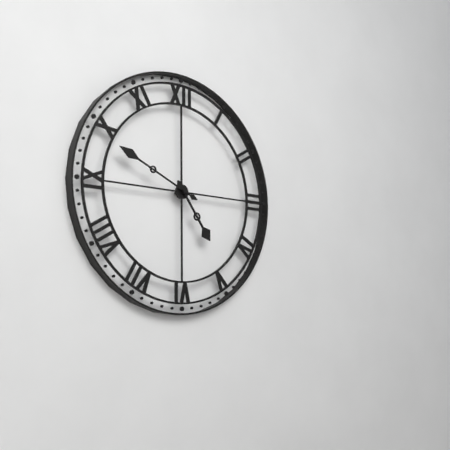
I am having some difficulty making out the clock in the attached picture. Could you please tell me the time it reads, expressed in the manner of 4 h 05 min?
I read 4 h 49 min
